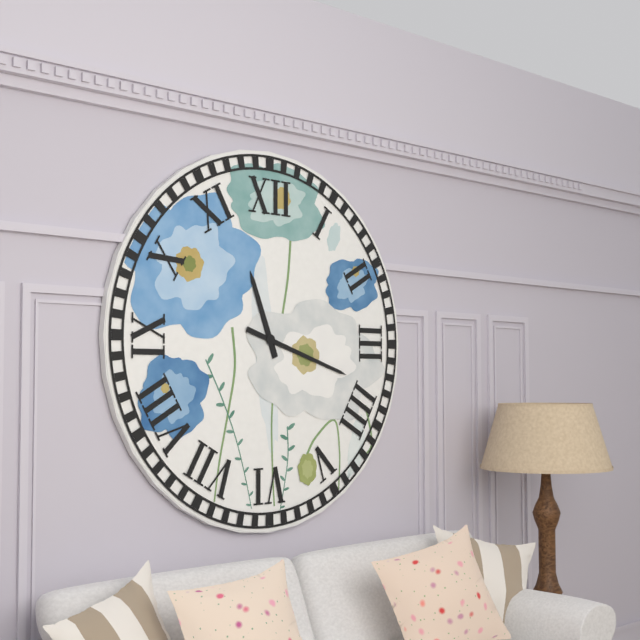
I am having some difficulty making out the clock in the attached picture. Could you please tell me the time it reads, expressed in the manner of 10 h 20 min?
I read 11 h 18 min
